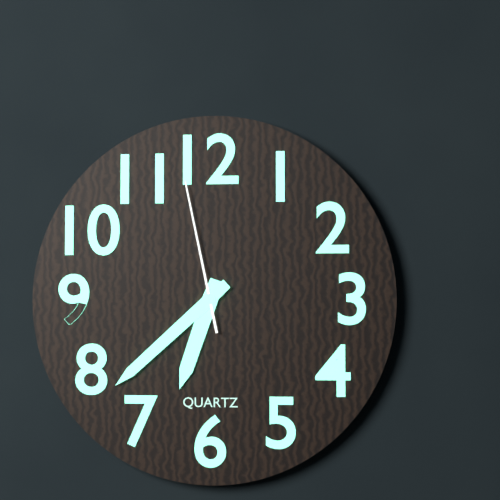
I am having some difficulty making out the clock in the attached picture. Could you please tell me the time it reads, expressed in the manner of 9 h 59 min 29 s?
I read 6 h 38 min 58 s
